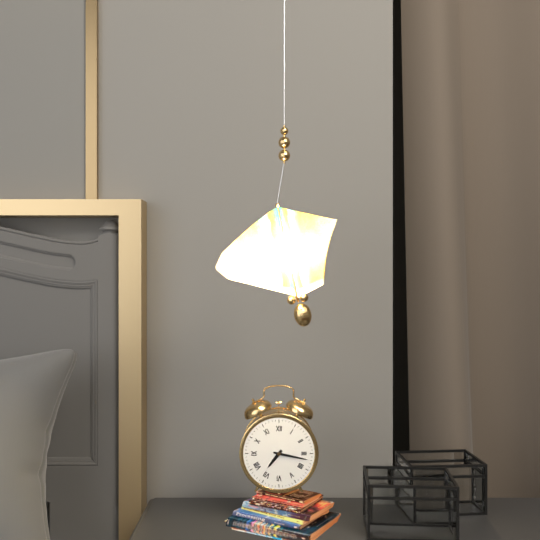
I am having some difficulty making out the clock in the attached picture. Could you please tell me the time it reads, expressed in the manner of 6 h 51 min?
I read 7 h 17 min
